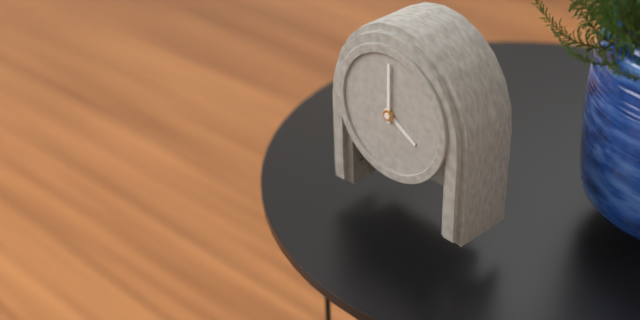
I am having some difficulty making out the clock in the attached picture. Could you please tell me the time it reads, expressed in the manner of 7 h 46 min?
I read 4 h 00 min
